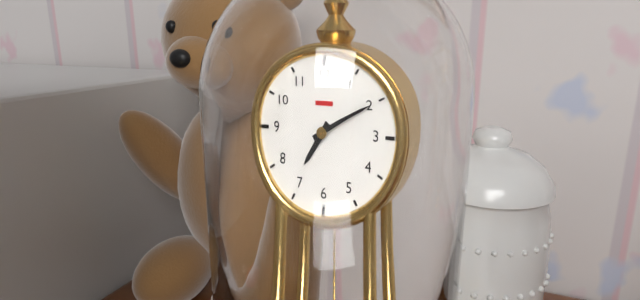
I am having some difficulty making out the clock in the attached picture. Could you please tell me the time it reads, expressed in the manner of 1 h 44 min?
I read 7 h 10 min
